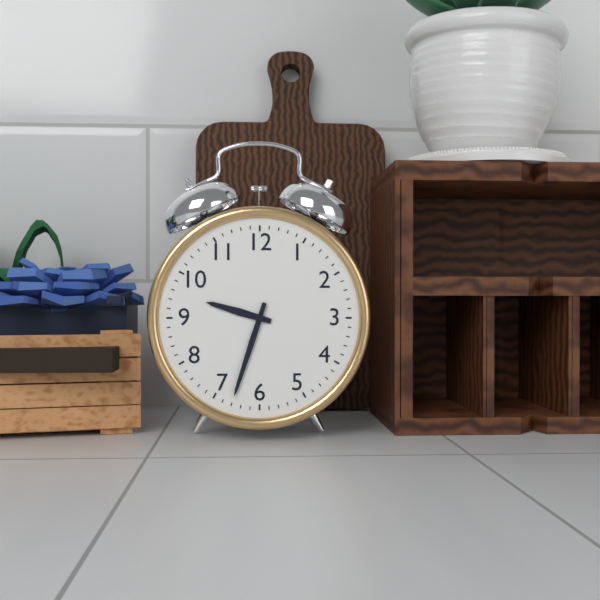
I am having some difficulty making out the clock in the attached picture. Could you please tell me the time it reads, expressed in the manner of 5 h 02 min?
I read 9 h 33 min
